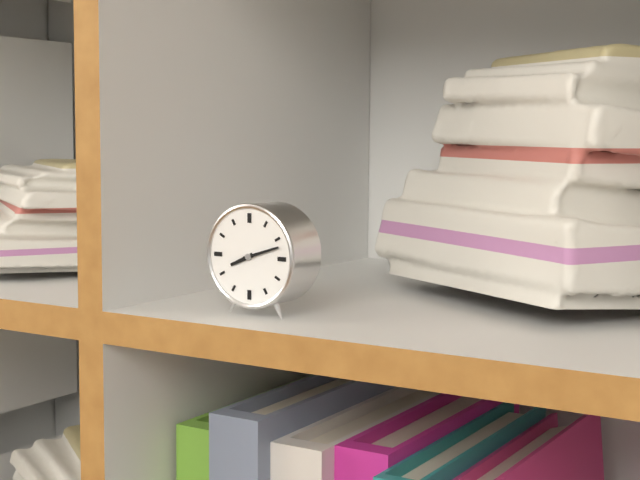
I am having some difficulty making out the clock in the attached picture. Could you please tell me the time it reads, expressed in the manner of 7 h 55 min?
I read 8 h 12 min
